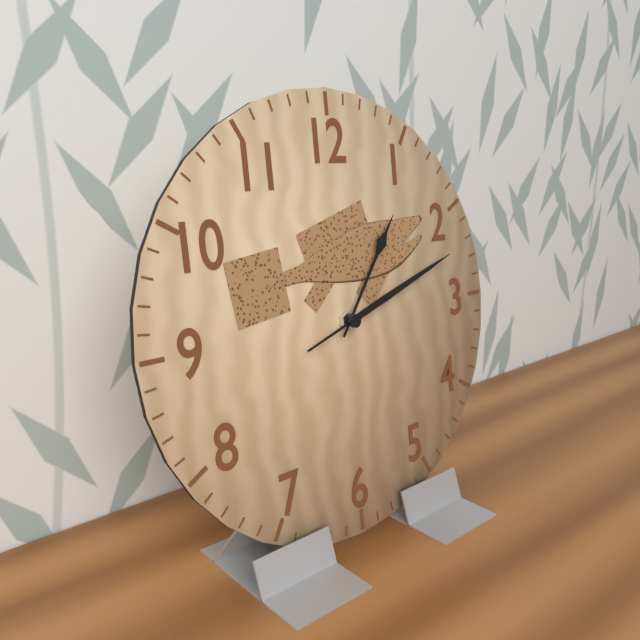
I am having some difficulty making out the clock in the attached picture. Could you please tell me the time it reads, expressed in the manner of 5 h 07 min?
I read 1 h 12 min
